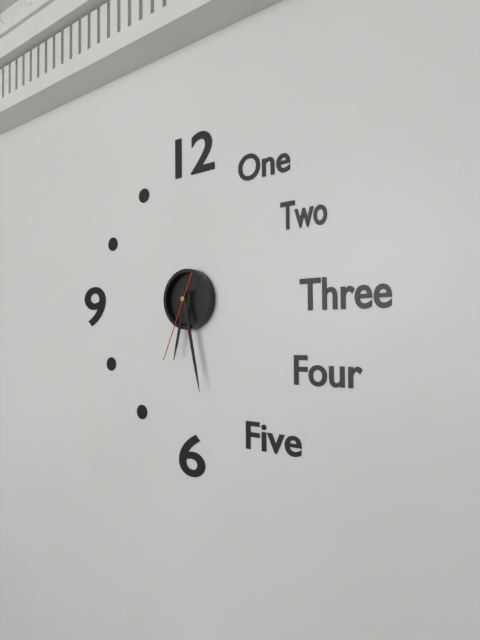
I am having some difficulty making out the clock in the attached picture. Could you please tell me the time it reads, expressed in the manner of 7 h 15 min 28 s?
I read 6 h 28 min 34 s
